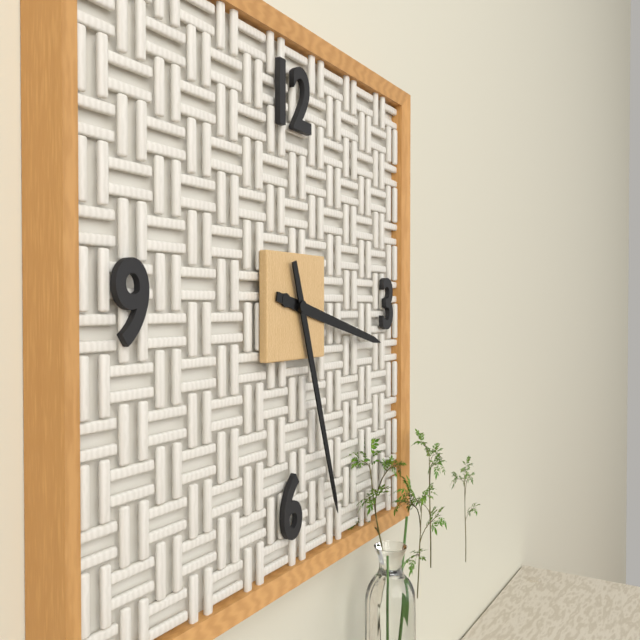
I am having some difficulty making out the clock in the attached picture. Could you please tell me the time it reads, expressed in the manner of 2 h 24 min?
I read 3 h 27 min
